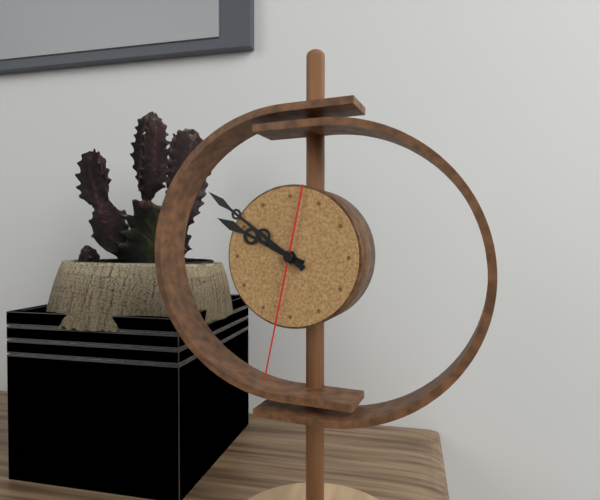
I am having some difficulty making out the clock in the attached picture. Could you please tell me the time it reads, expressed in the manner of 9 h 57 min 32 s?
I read 9 h 51 min 32 s
